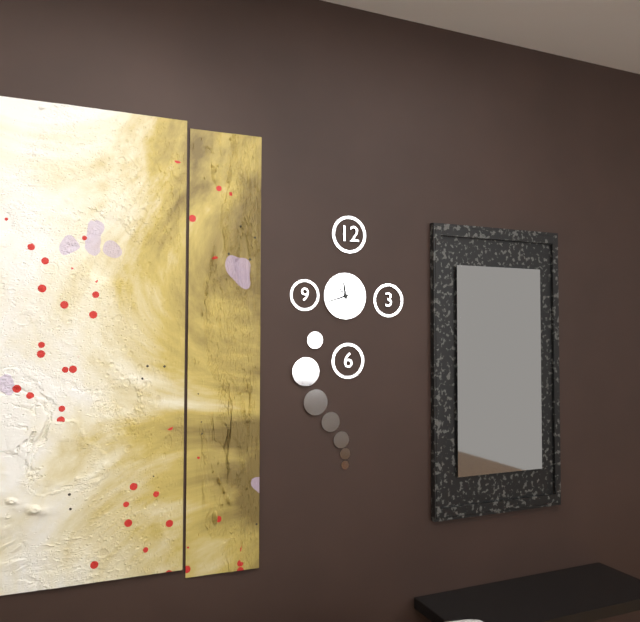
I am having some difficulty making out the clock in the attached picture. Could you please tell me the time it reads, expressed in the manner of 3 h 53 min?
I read 11 h 42 min
